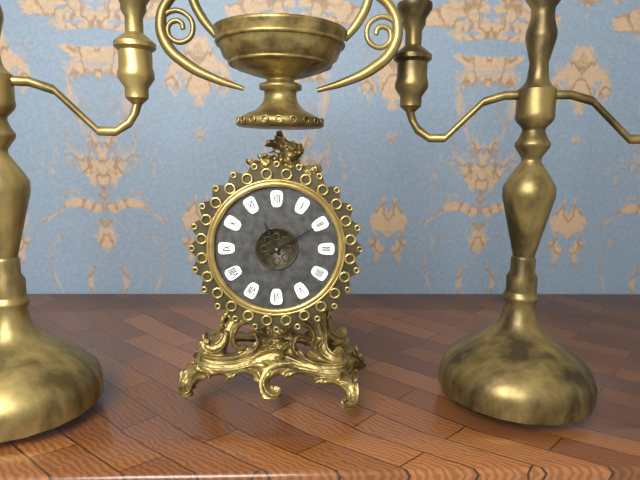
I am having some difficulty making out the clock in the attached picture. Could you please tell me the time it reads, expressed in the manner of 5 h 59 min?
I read 11 h 10 min
